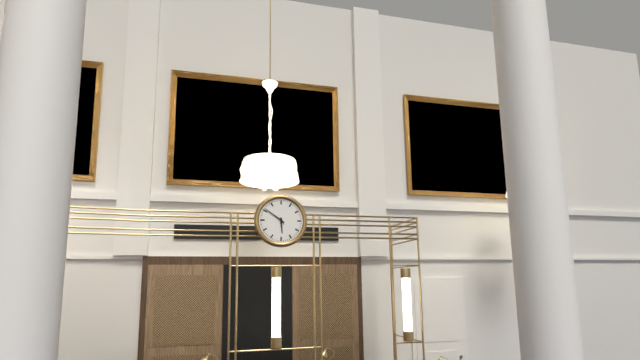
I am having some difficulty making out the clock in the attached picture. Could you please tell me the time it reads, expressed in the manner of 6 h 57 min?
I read 5 h 51 min
